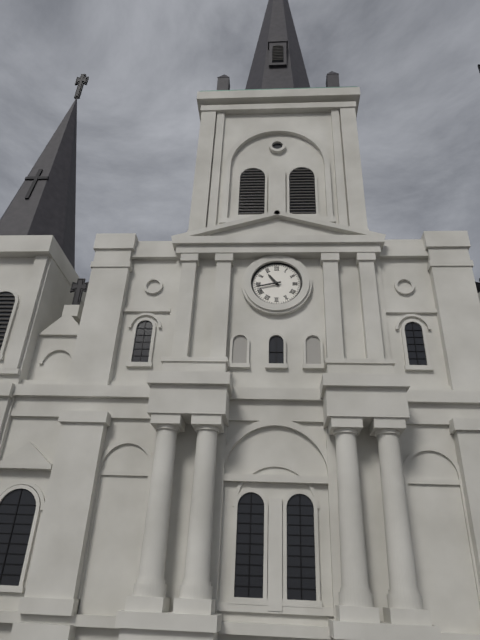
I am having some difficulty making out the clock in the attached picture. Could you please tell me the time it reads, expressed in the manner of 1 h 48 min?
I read 10 h 43 min
